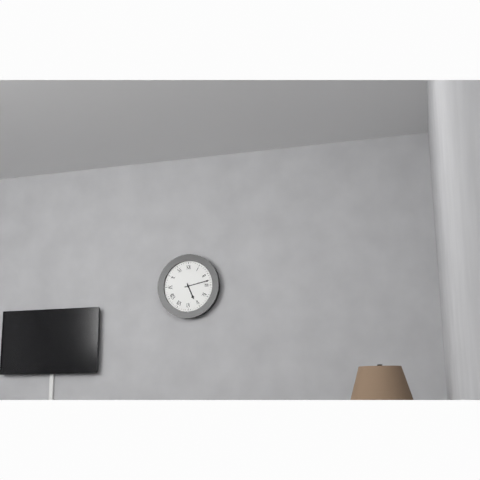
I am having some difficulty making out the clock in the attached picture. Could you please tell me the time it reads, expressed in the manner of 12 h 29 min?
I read 5 h 13 min
